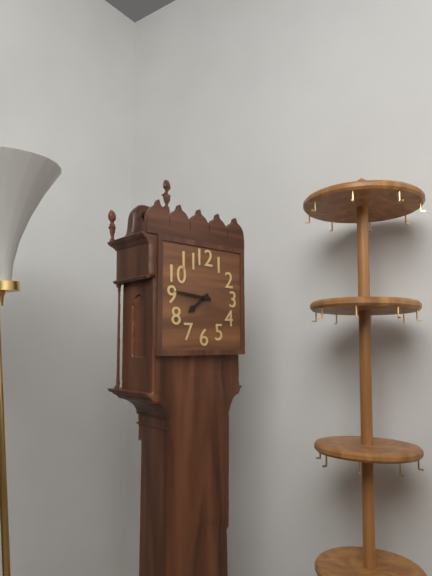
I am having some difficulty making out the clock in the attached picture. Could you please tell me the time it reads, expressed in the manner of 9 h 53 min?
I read 7 h 46 min
